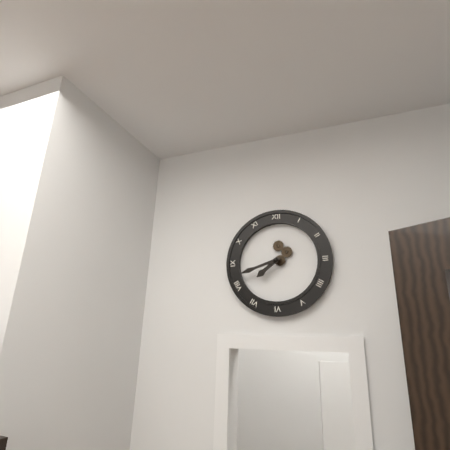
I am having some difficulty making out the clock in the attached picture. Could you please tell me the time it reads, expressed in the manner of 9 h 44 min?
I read 7 h 42 min
